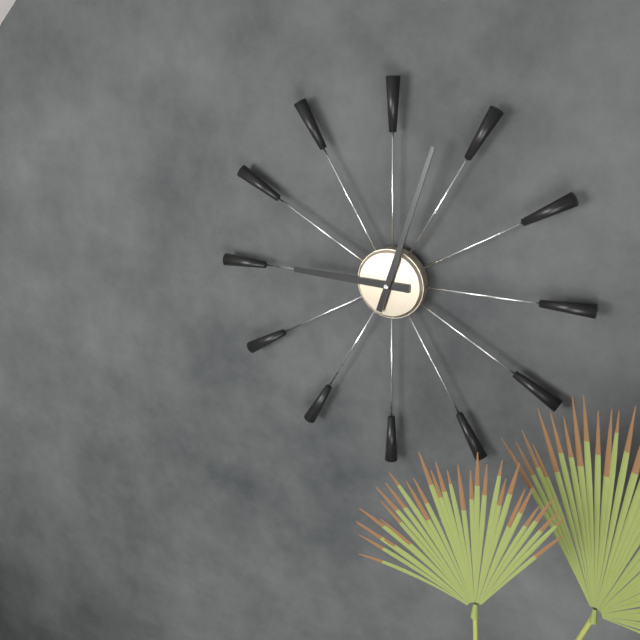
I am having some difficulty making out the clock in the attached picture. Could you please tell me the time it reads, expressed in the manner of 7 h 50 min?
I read 9 h 03 min
